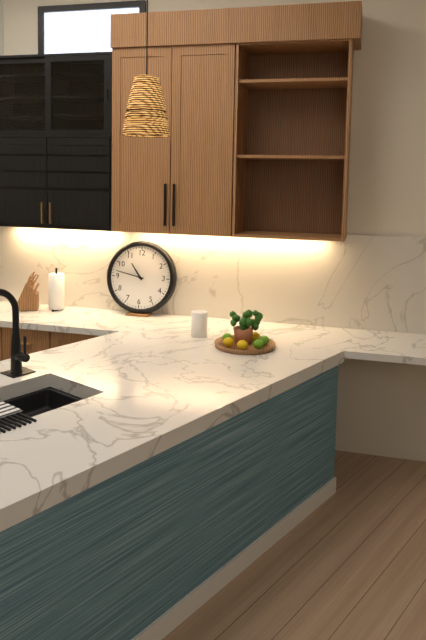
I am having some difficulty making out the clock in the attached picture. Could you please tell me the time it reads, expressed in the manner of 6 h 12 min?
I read 10 h 47 min
